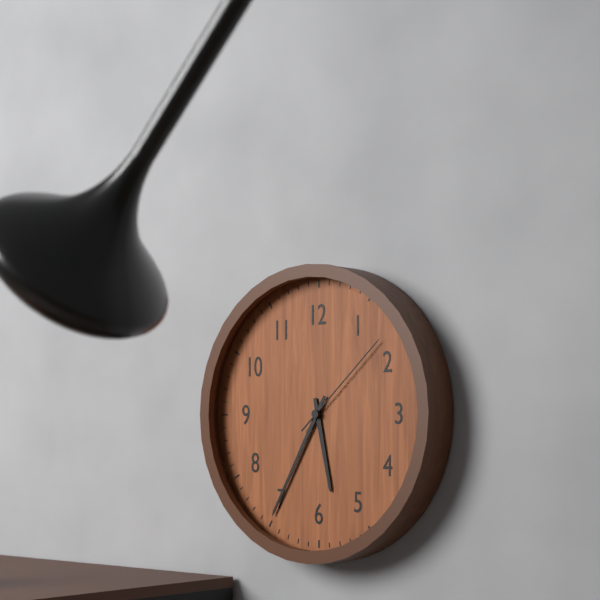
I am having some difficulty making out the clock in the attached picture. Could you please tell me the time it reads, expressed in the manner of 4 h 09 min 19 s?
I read 5 h 35 min 08 s
